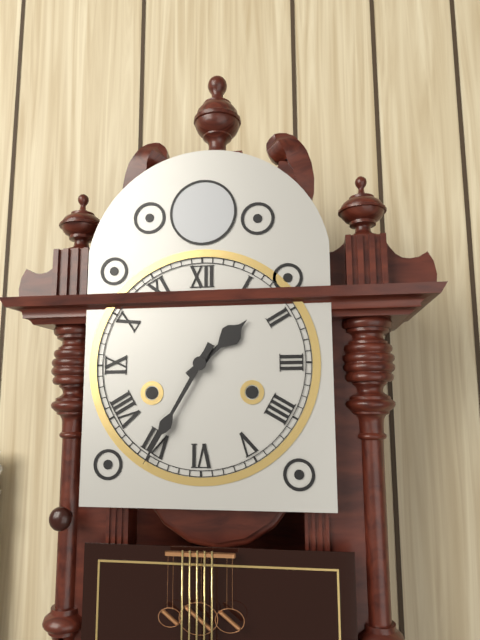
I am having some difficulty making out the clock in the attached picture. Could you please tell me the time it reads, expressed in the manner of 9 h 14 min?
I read 1 h 35 min
